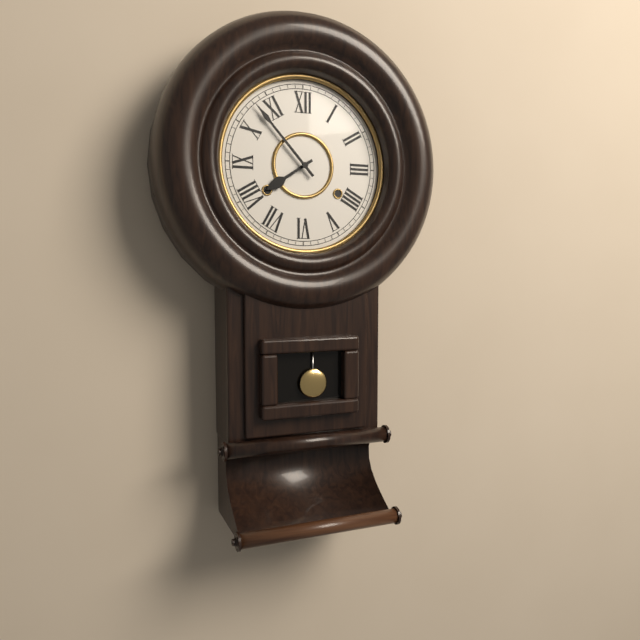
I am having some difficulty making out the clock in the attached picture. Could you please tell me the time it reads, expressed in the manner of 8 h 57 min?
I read 7 h 53 min
